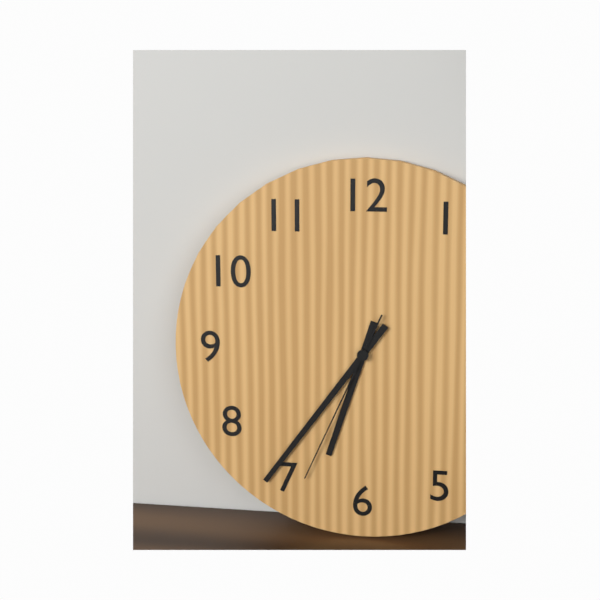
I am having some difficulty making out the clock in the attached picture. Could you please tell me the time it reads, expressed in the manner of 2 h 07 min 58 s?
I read 6 h 36 min 34 s
